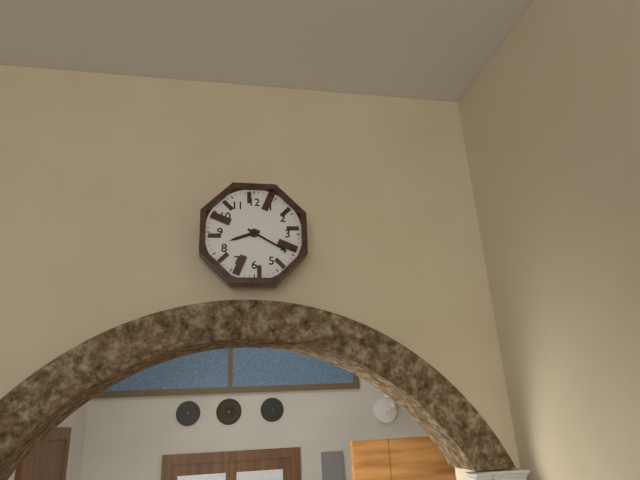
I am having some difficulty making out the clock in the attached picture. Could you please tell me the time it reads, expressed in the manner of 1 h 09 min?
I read 8 h 20 min
